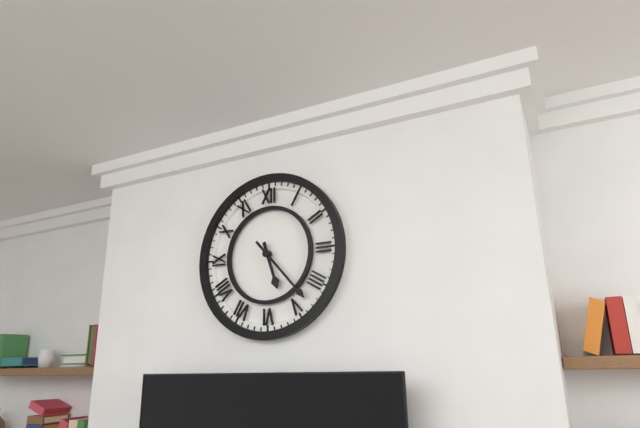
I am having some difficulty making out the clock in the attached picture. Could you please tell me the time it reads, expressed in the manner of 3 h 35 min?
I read 5 h 23 min
